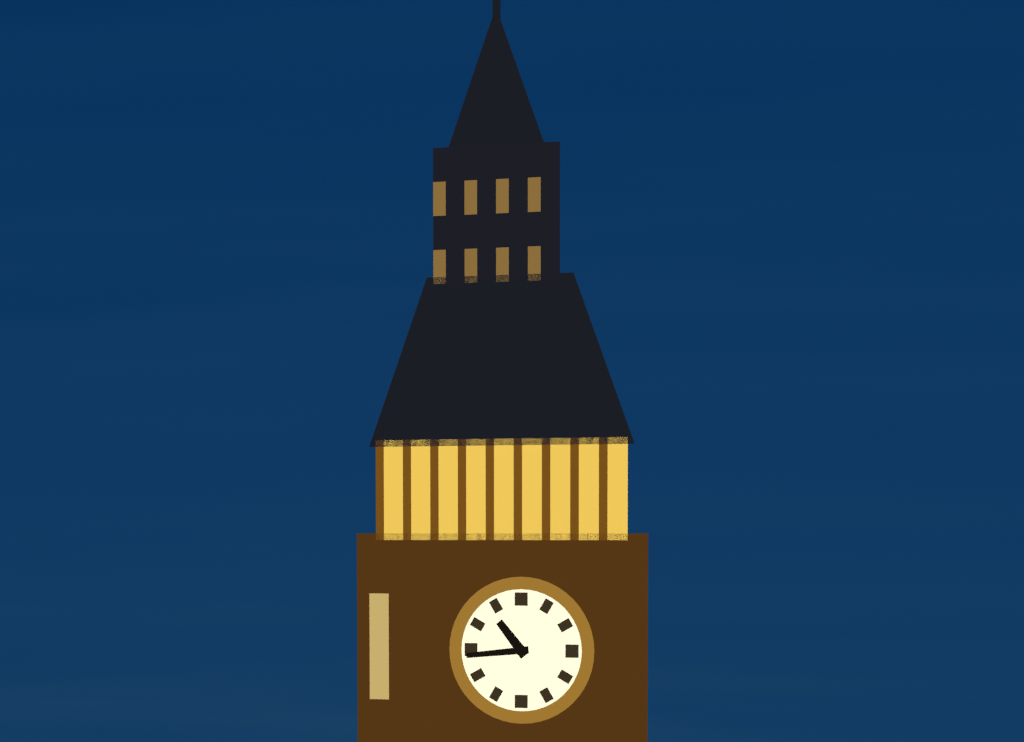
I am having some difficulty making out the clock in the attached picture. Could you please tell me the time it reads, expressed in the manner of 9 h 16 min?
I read 10 h 44 min
